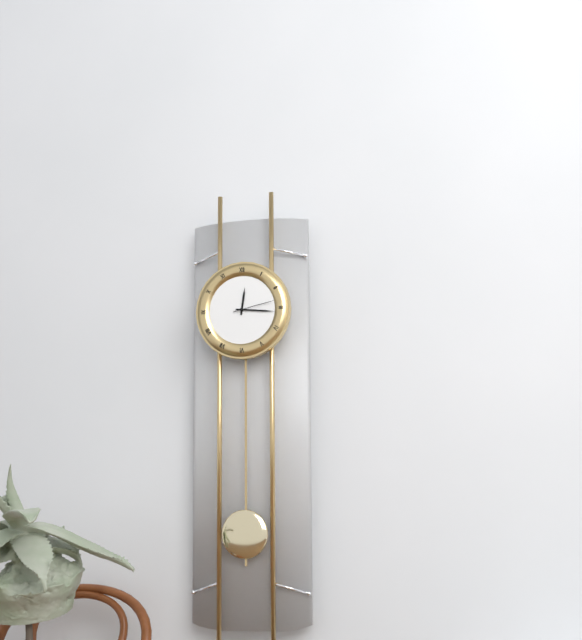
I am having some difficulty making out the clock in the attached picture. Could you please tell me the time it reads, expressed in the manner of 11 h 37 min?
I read 12 h 16 min
